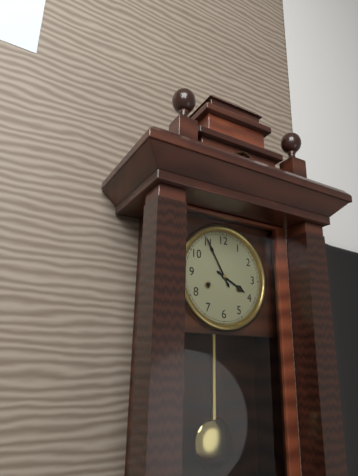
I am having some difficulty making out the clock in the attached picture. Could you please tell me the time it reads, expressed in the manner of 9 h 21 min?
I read 3 h 55 min
